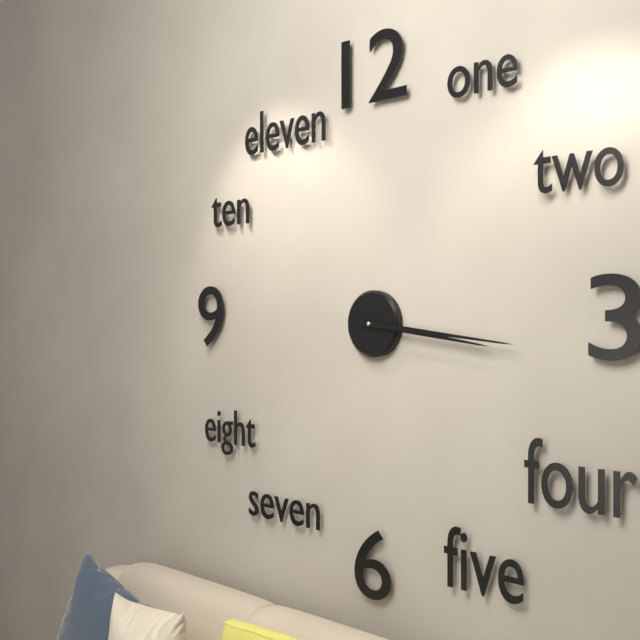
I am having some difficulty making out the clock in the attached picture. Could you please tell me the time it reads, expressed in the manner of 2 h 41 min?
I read 3 h 16 min
